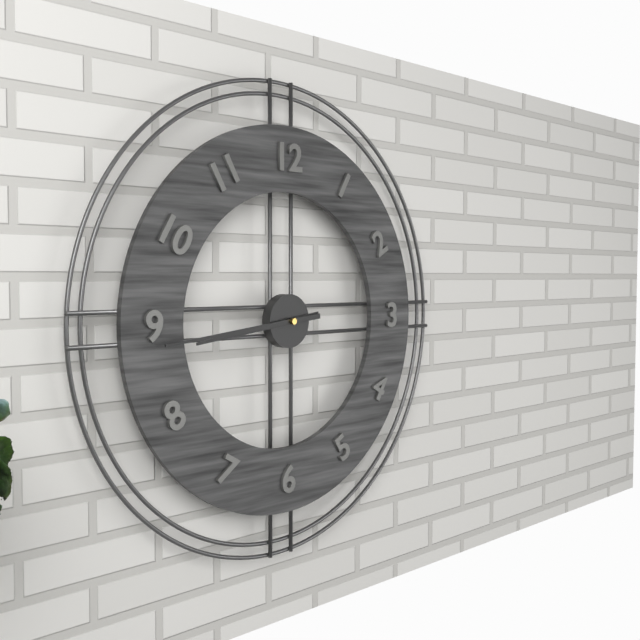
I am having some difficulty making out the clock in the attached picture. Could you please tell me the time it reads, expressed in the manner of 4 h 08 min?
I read 8 h 44 min
